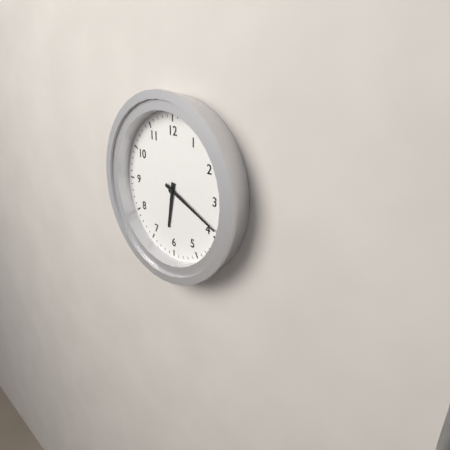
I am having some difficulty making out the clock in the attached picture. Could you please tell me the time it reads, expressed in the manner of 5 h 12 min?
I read 6 h 19 min
